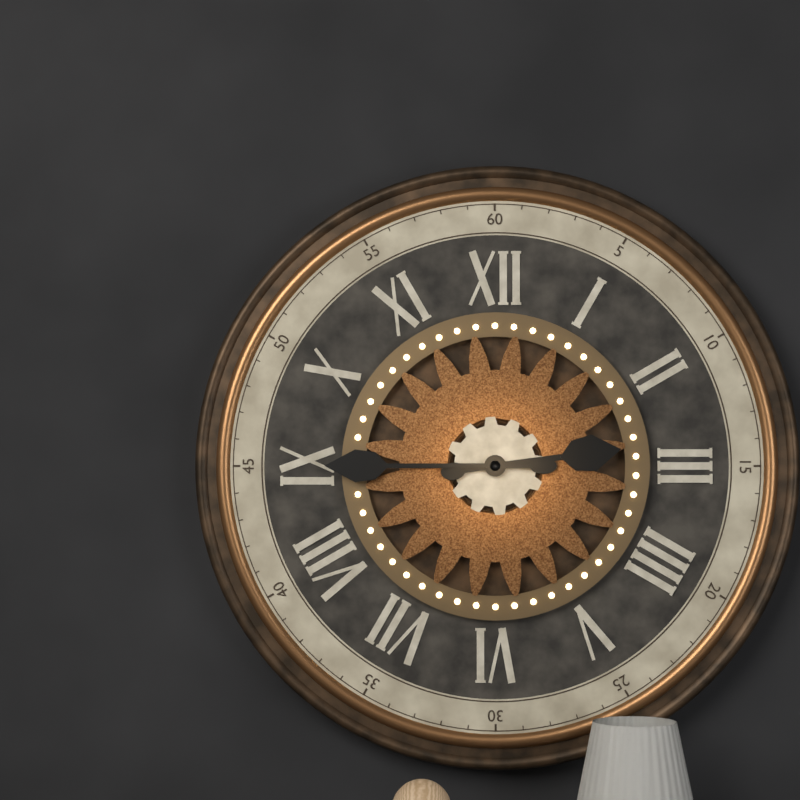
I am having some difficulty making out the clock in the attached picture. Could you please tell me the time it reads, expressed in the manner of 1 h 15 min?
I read 2 h 45 min
